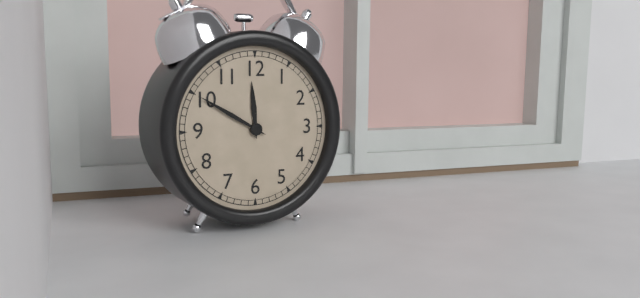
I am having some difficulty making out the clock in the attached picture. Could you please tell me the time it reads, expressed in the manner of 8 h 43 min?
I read 11 h 50 min
